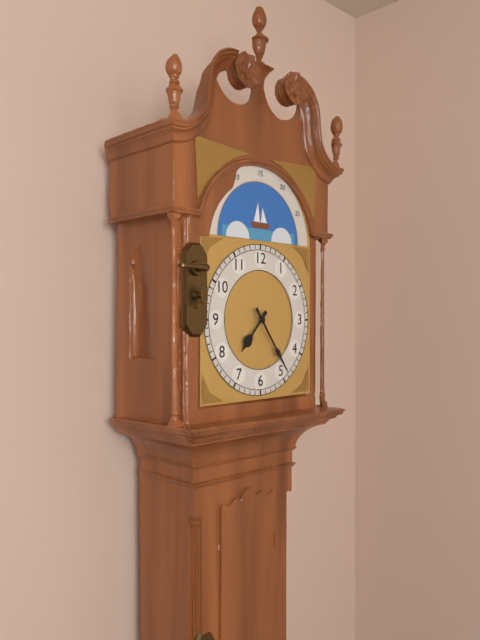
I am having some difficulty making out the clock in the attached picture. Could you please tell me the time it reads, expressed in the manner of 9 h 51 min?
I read 7 h 24 min
